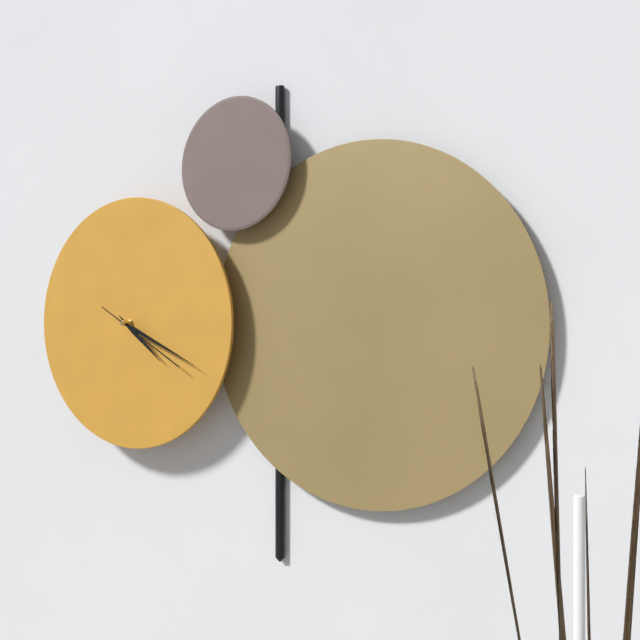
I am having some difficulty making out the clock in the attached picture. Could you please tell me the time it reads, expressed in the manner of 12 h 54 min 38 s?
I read 4 h 19 min 20 s
